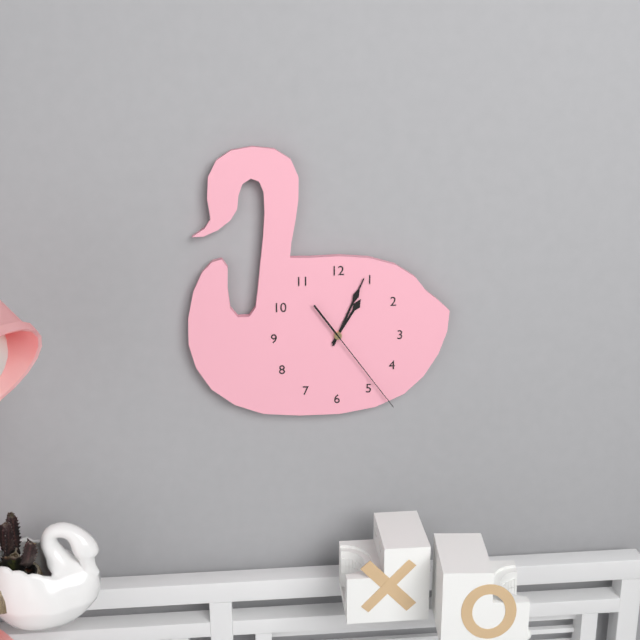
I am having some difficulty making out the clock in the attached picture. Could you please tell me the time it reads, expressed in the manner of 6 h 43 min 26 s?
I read 1 h 04 min 24 s
